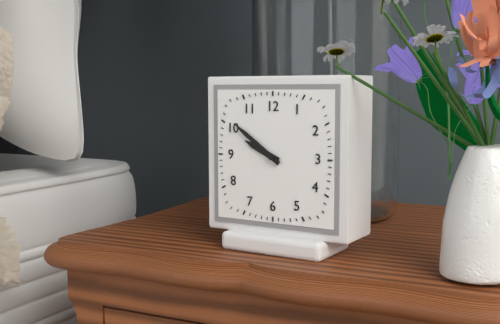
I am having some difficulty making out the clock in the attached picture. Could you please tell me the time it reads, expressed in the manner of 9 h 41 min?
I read 9 h 51 min
